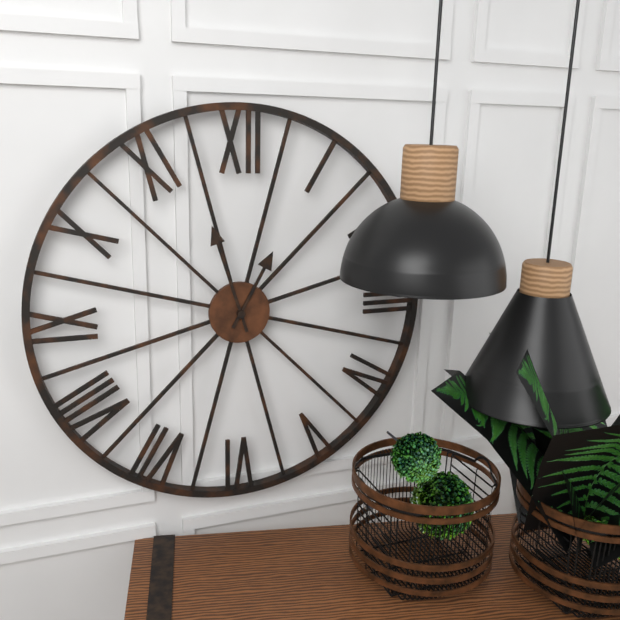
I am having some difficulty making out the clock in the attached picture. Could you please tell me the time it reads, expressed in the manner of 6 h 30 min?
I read 12 h 57 min
